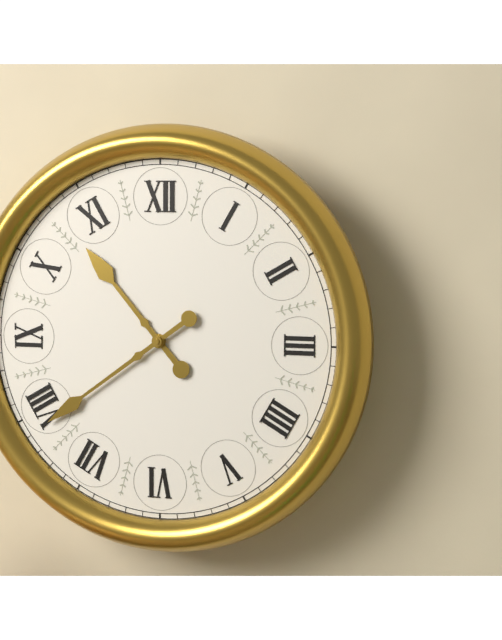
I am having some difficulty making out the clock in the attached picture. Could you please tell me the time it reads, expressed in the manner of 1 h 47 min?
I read 10 h 39 min
